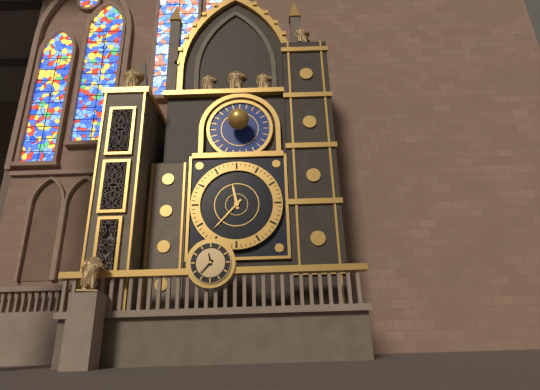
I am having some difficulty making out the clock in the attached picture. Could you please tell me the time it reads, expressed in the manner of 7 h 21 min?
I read 11 h 37 min
